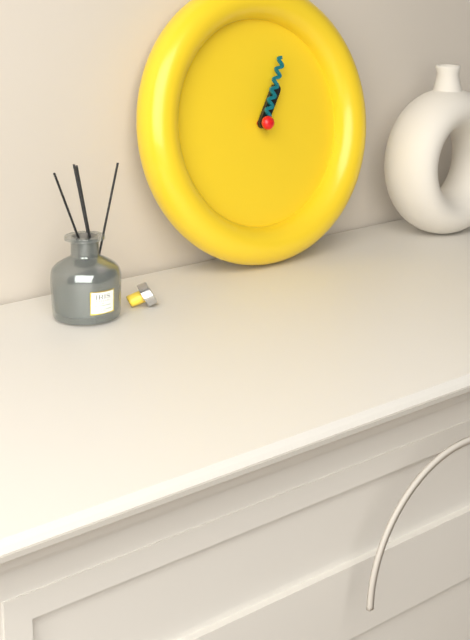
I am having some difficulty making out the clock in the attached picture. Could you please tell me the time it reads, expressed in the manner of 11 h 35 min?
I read 1 h 04 min
